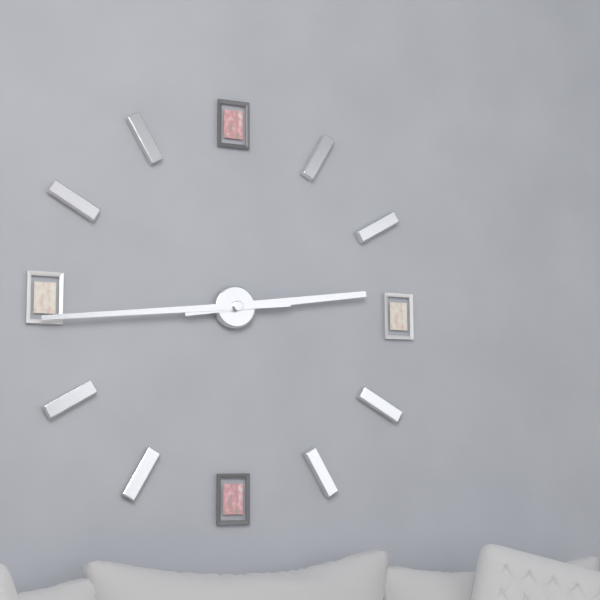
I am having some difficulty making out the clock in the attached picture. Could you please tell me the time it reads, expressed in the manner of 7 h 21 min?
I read 2 h 44 min
